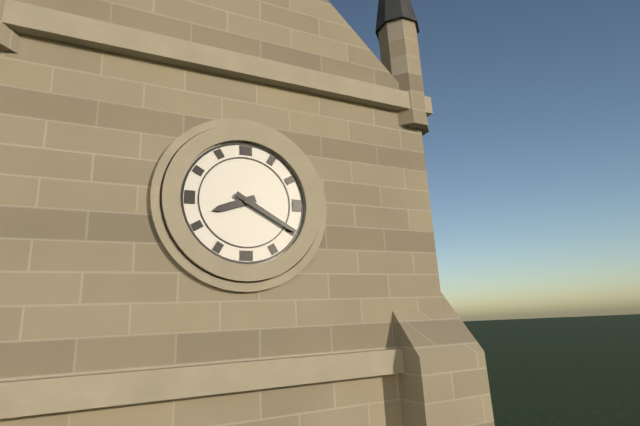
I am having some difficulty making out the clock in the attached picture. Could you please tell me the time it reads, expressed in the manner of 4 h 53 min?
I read 8 h 20 min
